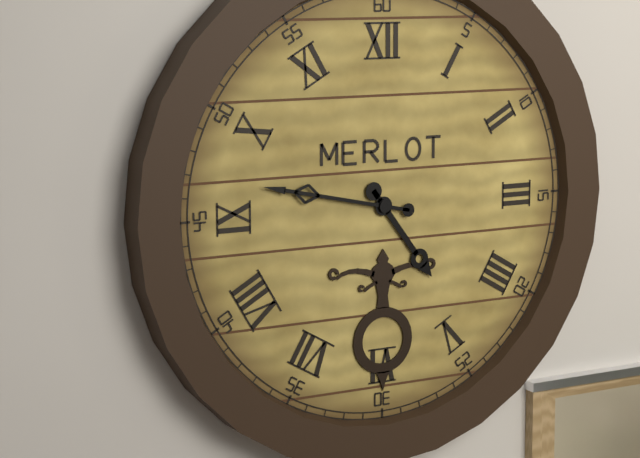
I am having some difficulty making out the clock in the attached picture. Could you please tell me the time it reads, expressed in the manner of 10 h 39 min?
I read 4 h 47 min
